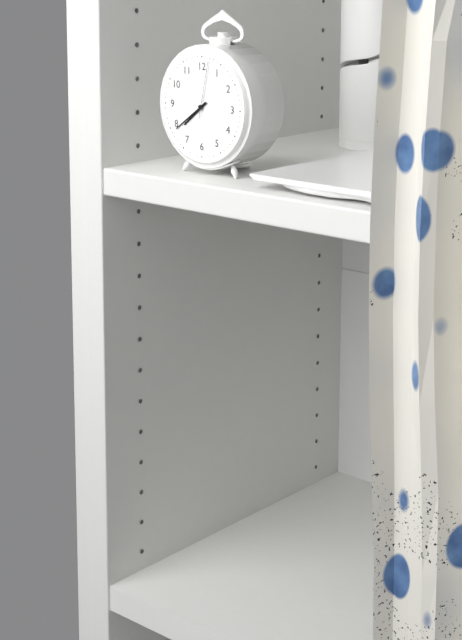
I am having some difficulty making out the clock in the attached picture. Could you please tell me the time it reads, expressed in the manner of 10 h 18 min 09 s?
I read 7 h 39 min 02 s
